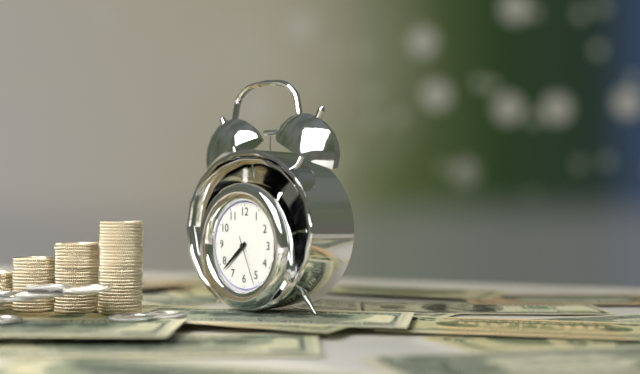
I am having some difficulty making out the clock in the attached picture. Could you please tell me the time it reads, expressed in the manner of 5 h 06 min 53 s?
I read 7 h 38 min 26 s
